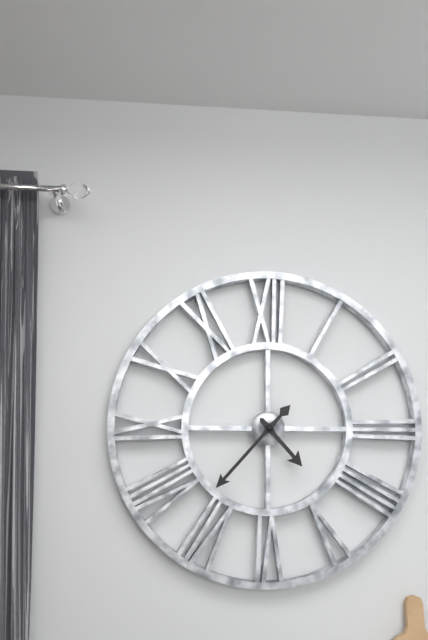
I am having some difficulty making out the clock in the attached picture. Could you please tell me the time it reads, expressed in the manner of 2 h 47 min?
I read 4 h 37 min
